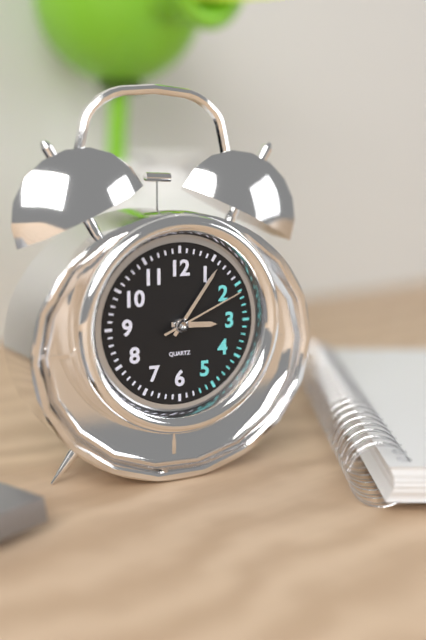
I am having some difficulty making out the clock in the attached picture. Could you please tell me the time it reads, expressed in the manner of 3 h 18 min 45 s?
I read 3 h 06 min 11 s
